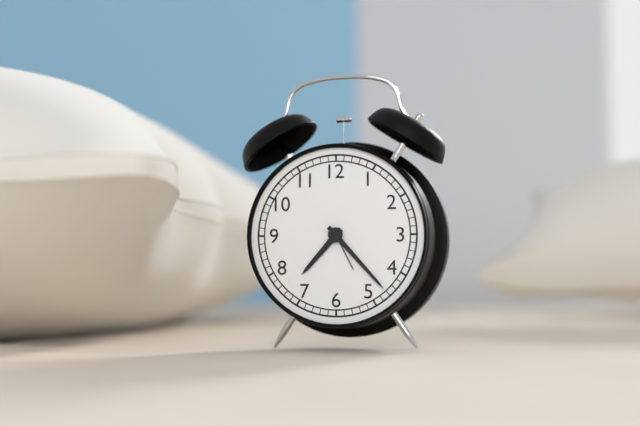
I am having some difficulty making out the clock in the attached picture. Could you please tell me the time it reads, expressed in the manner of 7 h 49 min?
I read 7 h 23 min
